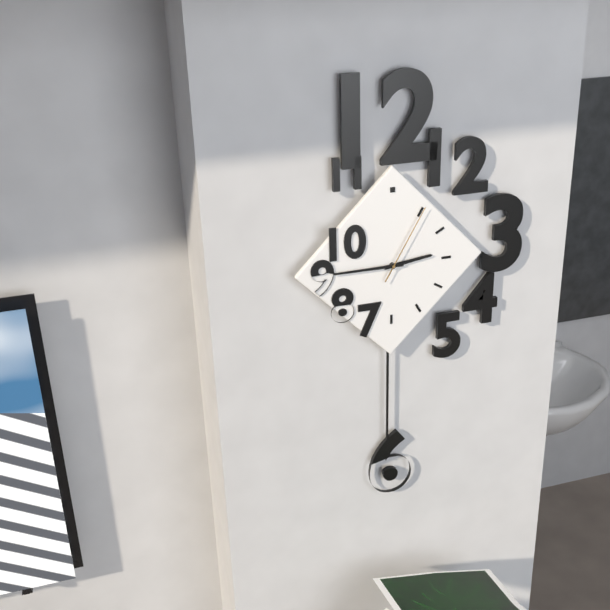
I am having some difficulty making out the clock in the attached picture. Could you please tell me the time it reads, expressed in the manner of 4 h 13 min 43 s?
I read 2 h 45 min 05 s
